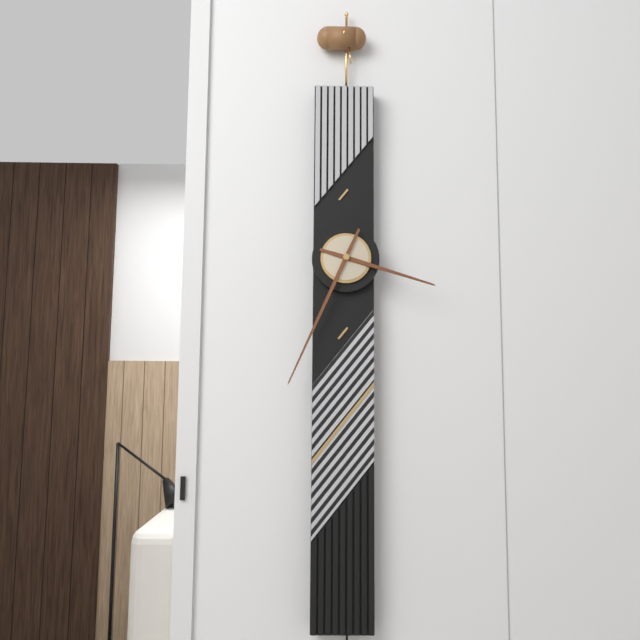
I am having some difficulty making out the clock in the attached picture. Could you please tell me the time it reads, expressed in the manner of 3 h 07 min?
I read 3 h 34 min
